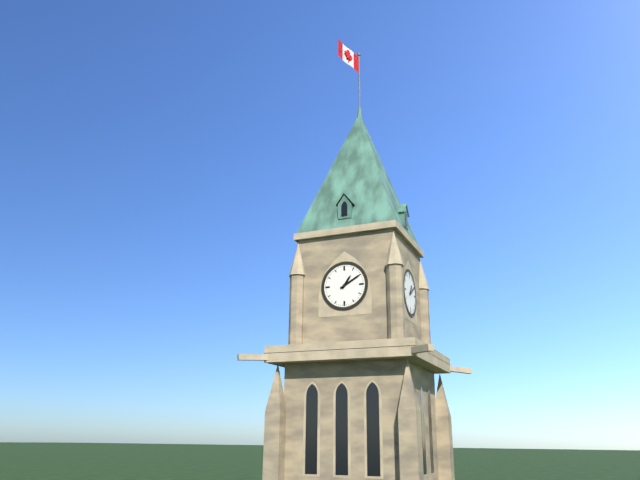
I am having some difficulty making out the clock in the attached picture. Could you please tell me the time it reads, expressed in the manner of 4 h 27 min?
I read 1 h 10 min
